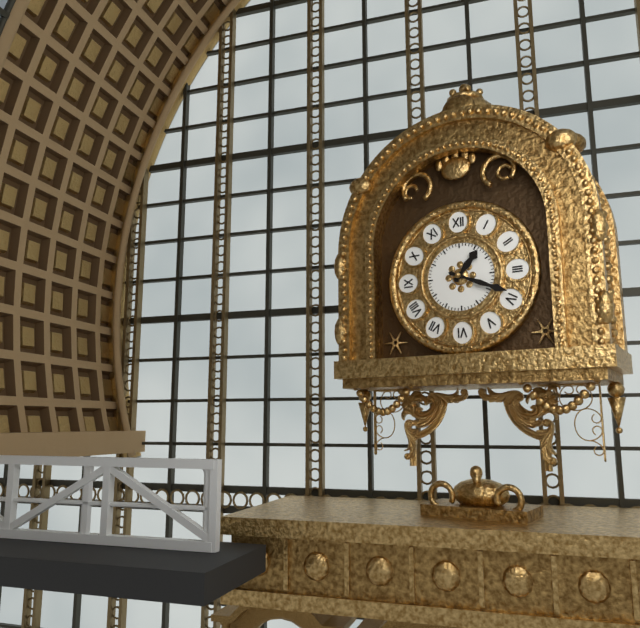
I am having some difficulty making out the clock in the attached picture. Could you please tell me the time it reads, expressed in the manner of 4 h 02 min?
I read 1 h 19 min
